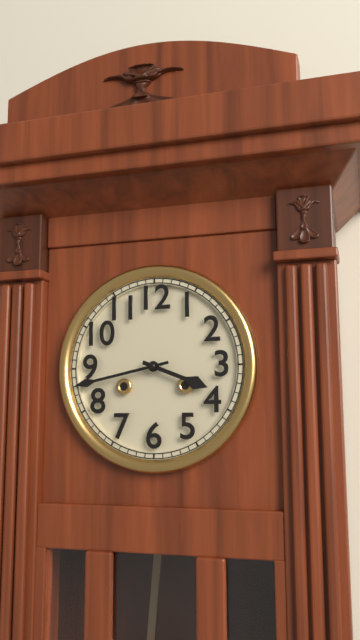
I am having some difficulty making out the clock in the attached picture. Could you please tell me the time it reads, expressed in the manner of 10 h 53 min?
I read 3 h 43 min
